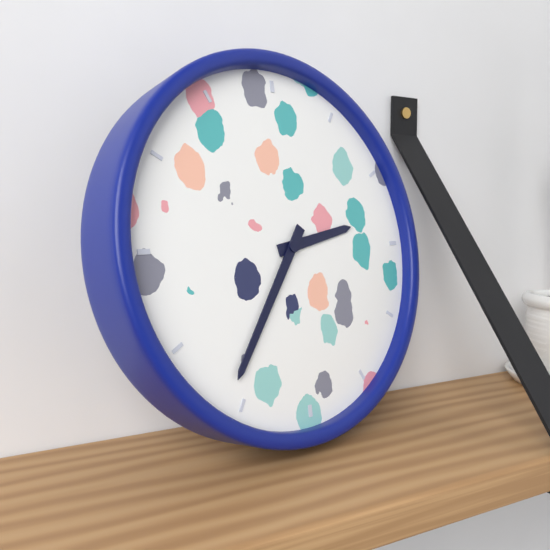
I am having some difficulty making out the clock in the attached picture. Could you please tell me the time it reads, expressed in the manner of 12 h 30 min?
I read 2 h 36 min
